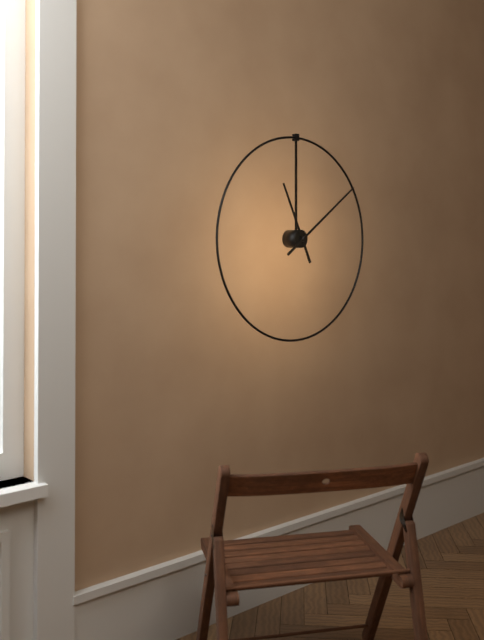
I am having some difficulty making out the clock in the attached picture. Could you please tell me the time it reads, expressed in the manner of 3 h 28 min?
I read 11 h 09 min
